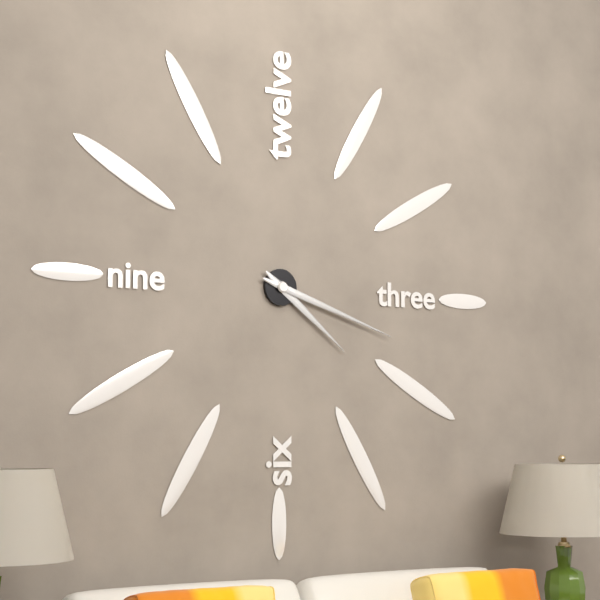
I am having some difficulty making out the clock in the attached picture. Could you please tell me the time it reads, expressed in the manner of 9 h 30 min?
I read 4 h 18 min
